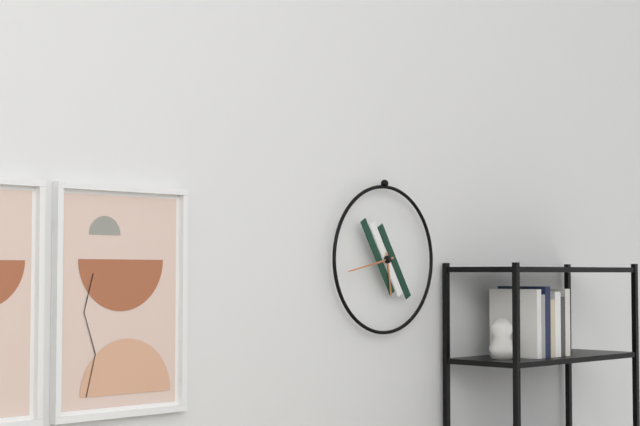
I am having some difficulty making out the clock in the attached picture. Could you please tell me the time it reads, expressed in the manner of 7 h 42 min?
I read 5 h 43 min
